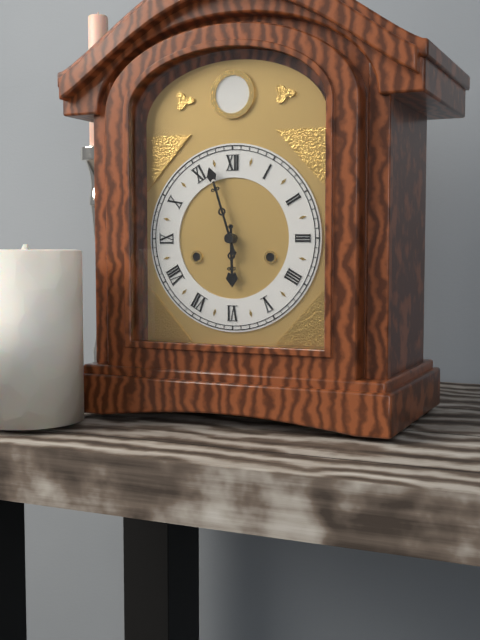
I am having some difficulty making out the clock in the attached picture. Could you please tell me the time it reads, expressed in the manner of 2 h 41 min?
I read 5 h 57 min
